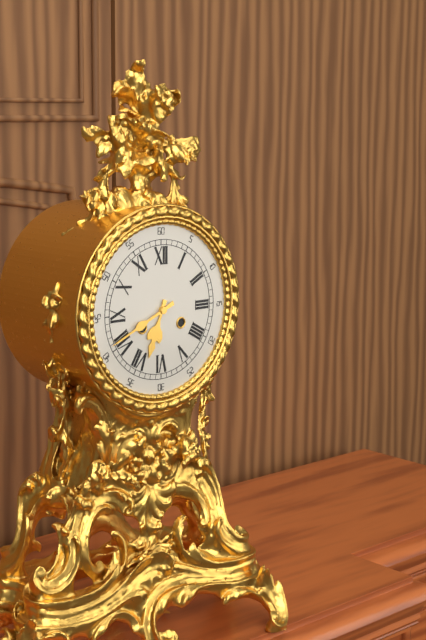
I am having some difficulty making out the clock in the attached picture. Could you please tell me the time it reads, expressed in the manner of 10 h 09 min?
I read 6 h 41 min
